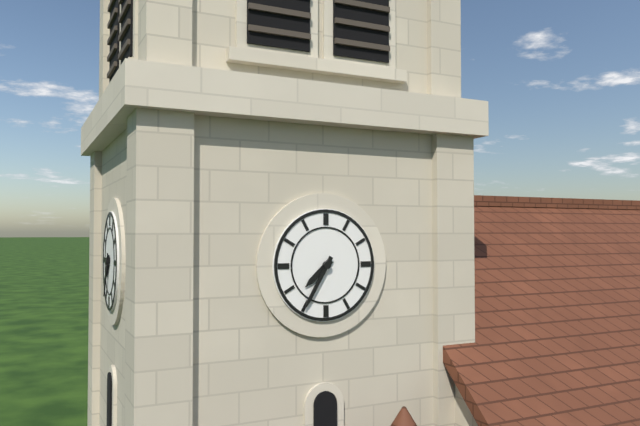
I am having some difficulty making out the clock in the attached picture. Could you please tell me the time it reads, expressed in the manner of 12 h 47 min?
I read 7 h 35 min
